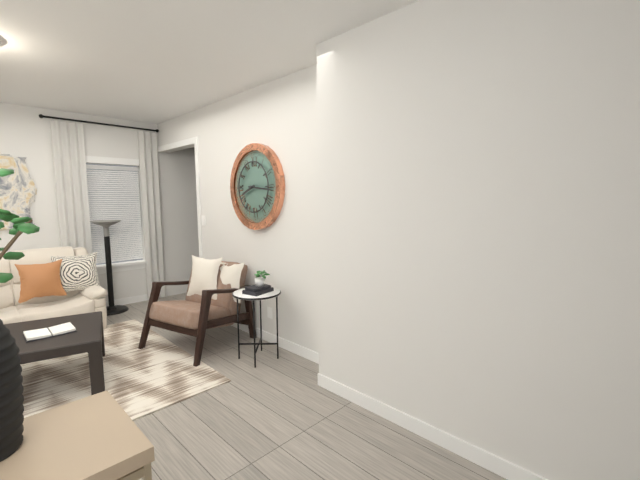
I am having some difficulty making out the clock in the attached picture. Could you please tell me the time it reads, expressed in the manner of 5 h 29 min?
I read 8 h 16 min
